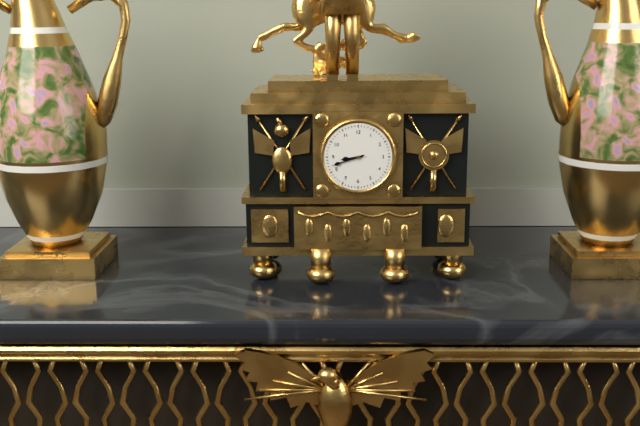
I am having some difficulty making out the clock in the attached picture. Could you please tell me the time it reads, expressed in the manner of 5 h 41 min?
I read 8 h 42 min
